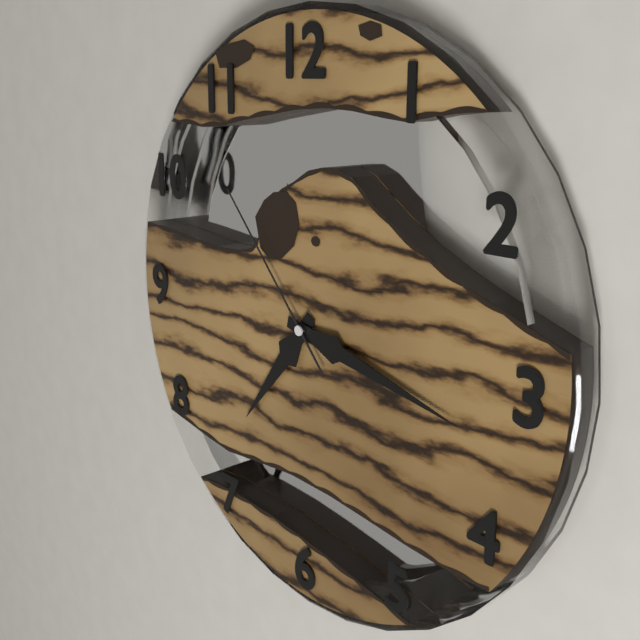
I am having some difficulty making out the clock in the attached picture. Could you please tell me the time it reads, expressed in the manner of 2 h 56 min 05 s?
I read 7 h 17 min 53 s
